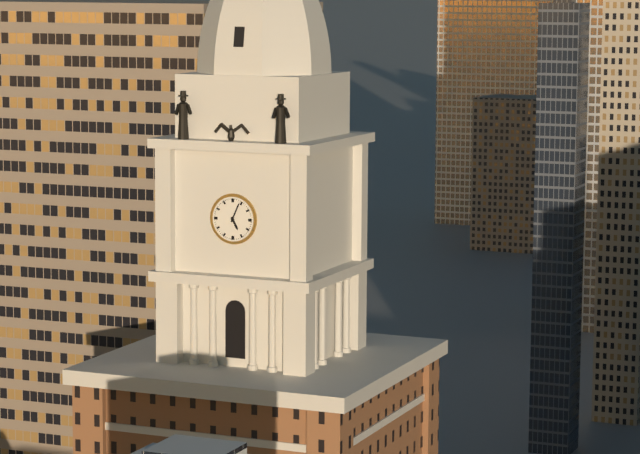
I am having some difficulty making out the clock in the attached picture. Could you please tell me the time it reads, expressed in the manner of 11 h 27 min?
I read 5 h 04 min
